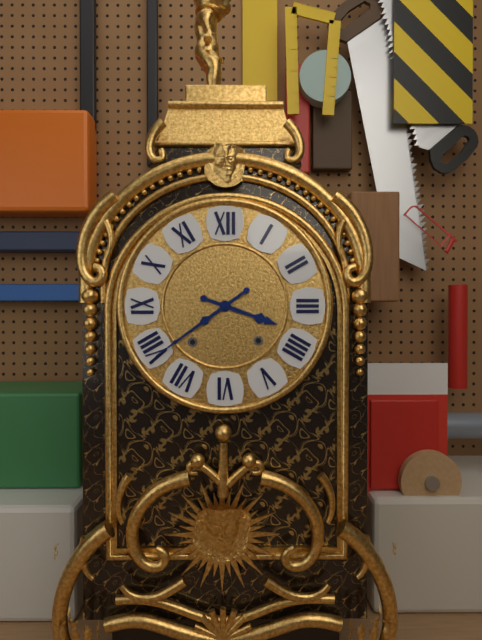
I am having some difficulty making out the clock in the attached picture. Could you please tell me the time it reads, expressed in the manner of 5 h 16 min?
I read 3 h 39 min
